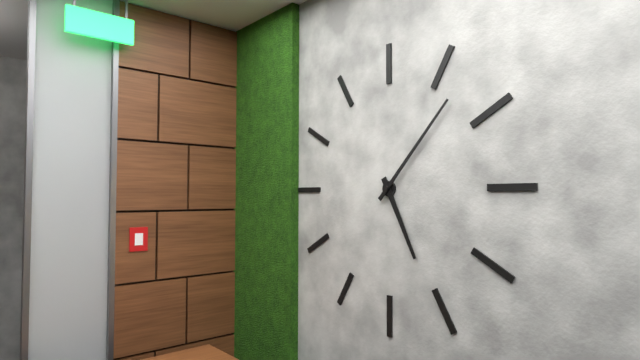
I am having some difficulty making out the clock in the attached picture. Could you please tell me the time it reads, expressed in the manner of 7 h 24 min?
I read 5 h 07 min
